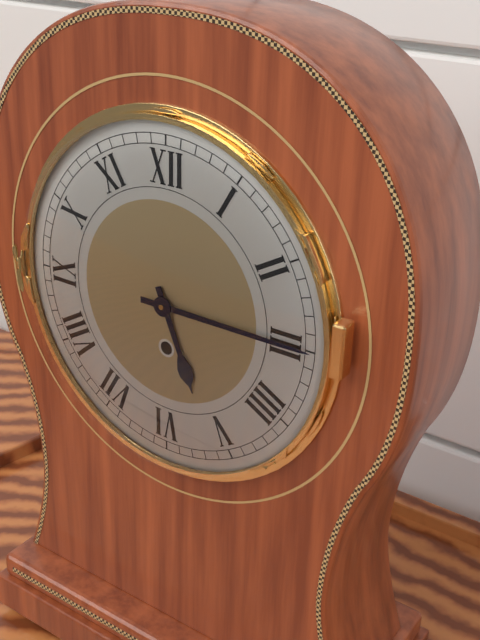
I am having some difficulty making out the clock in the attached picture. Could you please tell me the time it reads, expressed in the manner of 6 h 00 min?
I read 5 h 15 min
